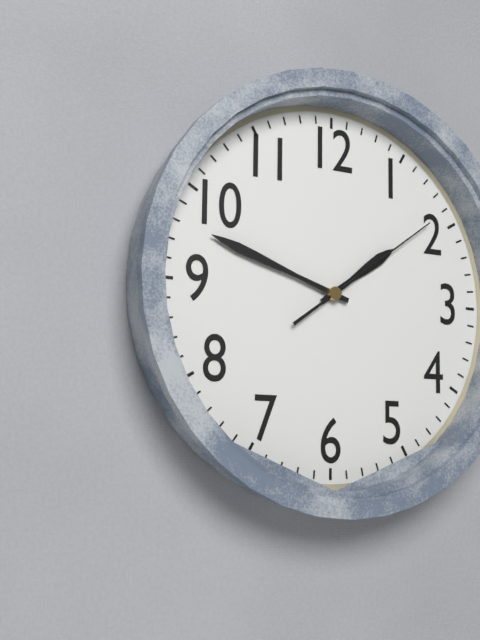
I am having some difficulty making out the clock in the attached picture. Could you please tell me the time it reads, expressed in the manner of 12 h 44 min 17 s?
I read 1 h 48 min 09 s
